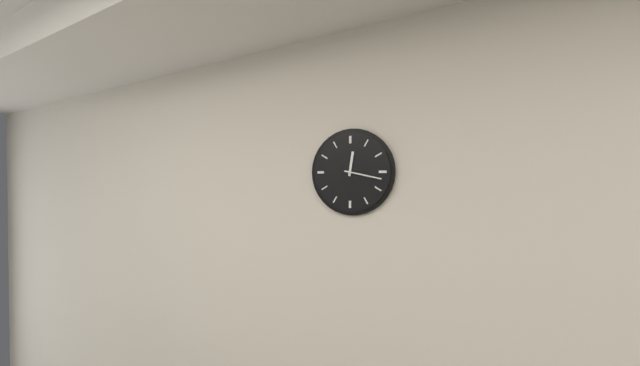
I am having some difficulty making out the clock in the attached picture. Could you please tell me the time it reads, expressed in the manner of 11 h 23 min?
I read 12 h 17 min
